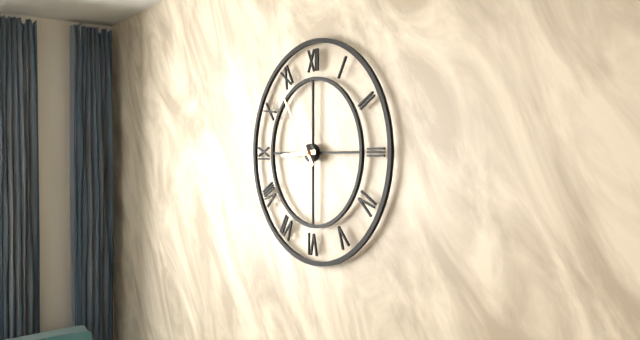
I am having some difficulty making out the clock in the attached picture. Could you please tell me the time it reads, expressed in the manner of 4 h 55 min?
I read 8 h 54 min
